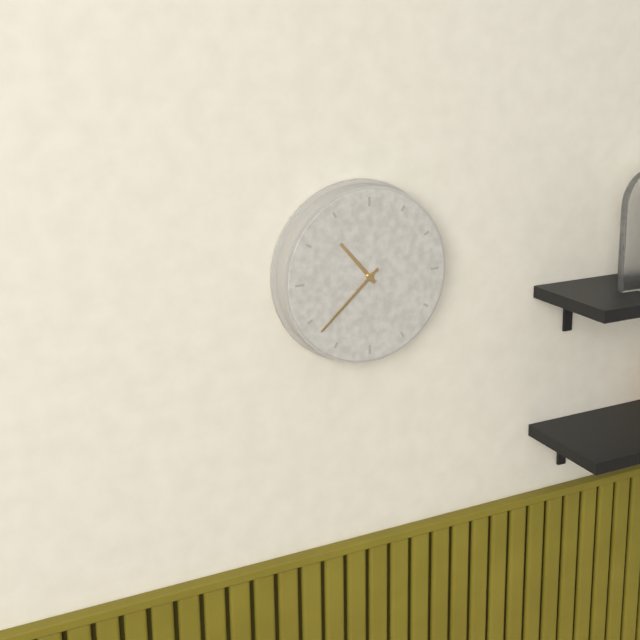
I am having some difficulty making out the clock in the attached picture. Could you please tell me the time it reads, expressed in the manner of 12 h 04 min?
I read 10 h 38 min
